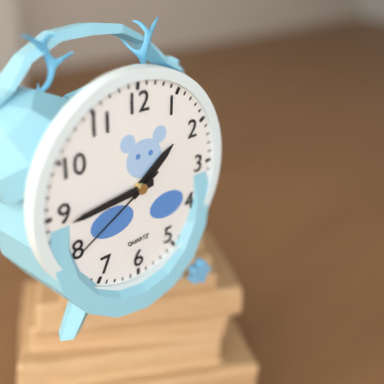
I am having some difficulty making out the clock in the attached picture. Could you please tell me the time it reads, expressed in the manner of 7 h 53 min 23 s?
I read 1 h 44 min 40 s
